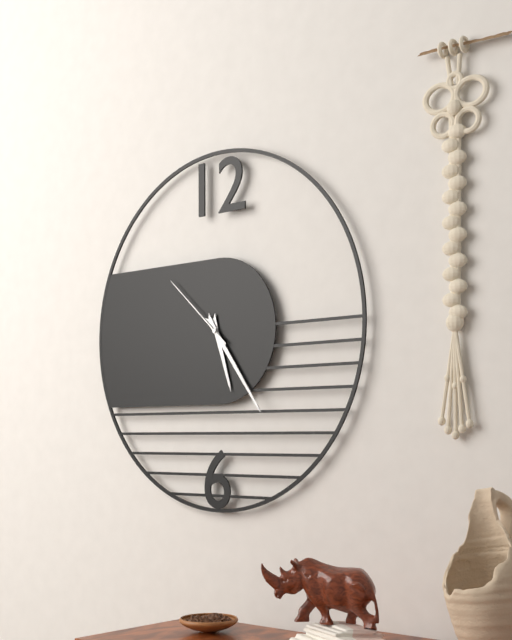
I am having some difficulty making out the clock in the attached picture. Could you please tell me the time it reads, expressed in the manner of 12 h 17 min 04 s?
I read 5 h 24 min 52 s
